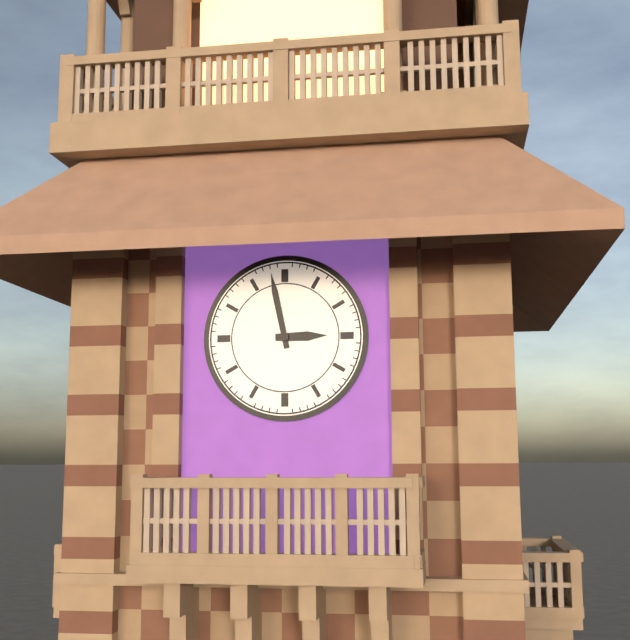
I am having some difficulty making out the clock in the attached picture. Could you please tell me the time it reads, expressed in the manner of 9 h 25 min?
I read 2 h 58 min
